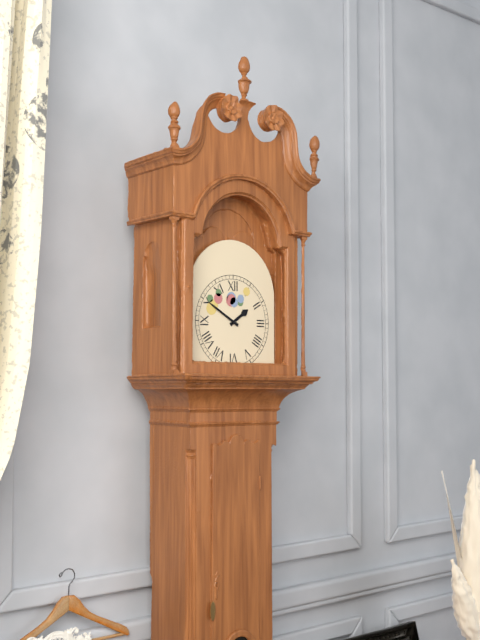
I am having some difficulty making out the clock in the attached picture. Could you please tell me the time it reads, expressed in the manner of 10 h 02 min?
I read 1 h 50 min
